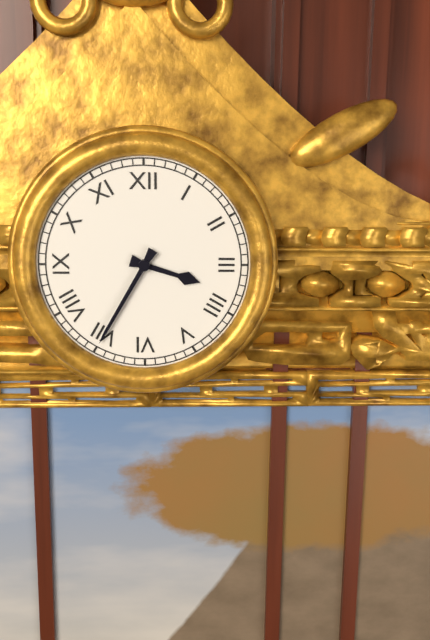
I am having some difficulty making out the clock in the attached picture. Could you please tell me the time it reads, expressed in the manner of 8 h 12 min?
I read 3 h 35 min
